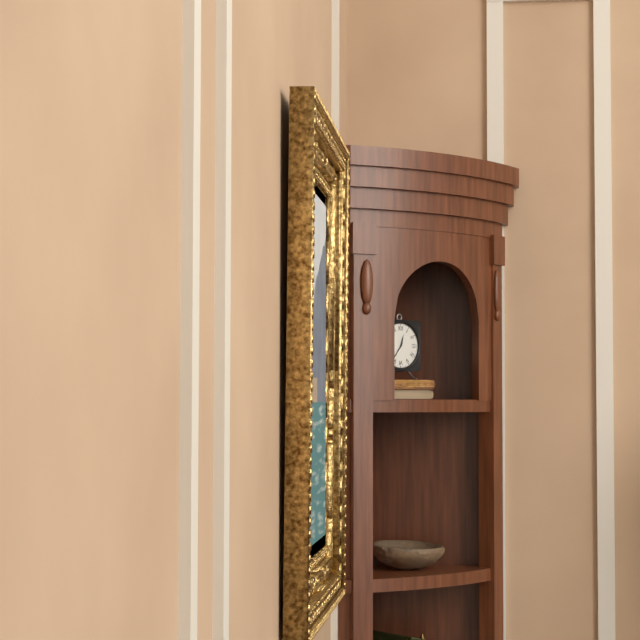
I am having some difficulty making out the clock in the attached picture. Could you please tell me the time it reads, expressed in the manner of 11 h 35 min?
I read 12 h 36 min
